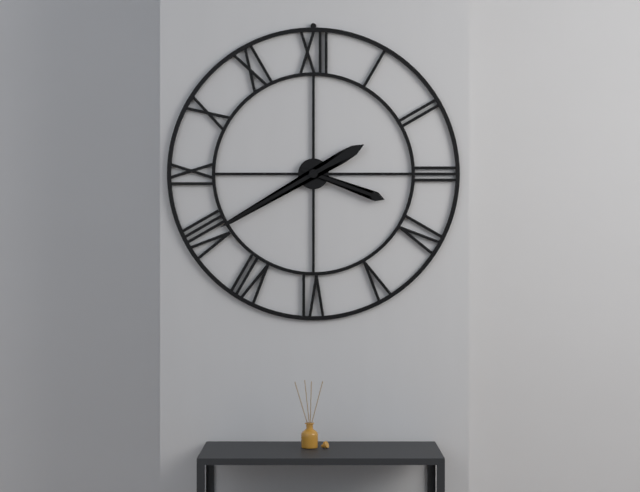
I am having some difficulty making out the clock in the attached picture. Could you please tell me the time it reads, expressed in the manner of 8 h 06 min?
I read 3 h 40 min
